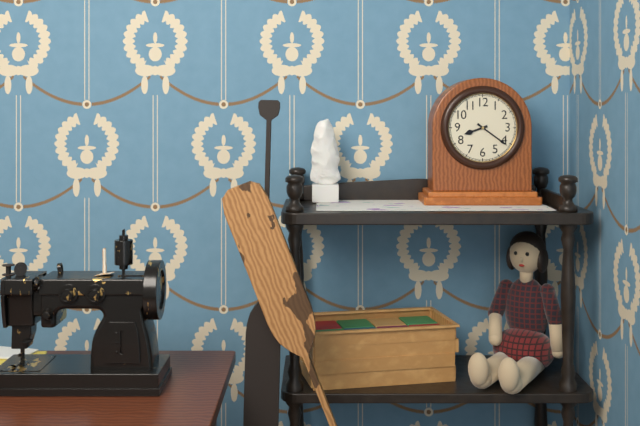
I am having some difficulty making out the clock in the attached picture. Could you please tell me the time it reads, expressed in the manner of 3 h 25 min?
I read 8 h 21 min
